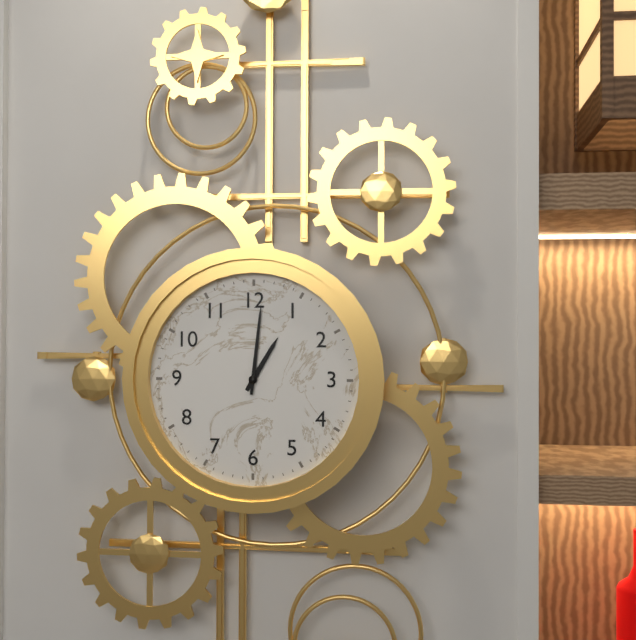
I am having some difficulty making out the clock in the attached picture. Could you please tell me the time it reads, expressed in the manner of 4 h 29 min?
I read 1 h 01 min
